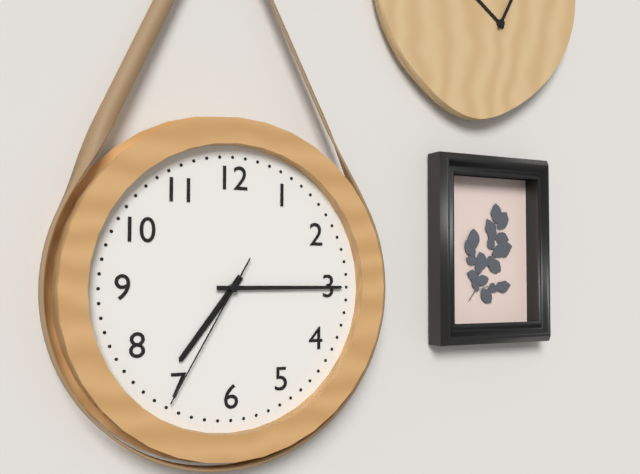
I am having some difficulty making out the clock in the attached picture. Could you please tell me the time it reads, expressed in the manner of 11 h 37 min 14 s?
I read 7 h 15 min 35 s
